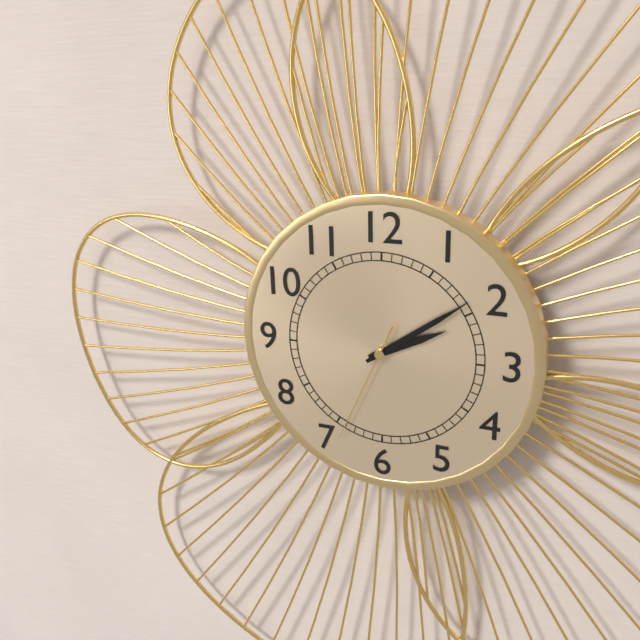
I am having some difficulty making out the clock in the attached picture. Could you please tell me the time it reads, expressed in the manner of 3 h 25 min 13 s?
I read 2 h 09 min 34 s
